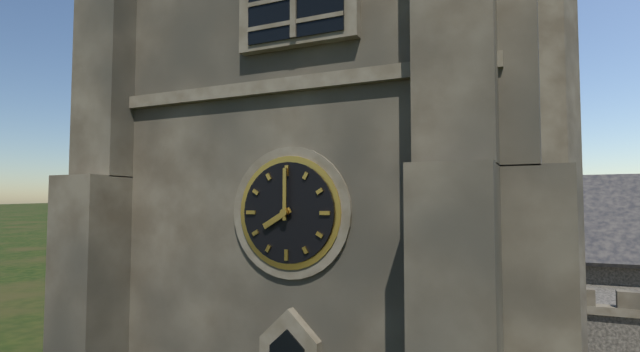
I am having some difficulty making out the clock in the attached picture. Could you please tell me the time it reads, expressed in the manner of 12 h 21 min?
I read 8 h 00 min
